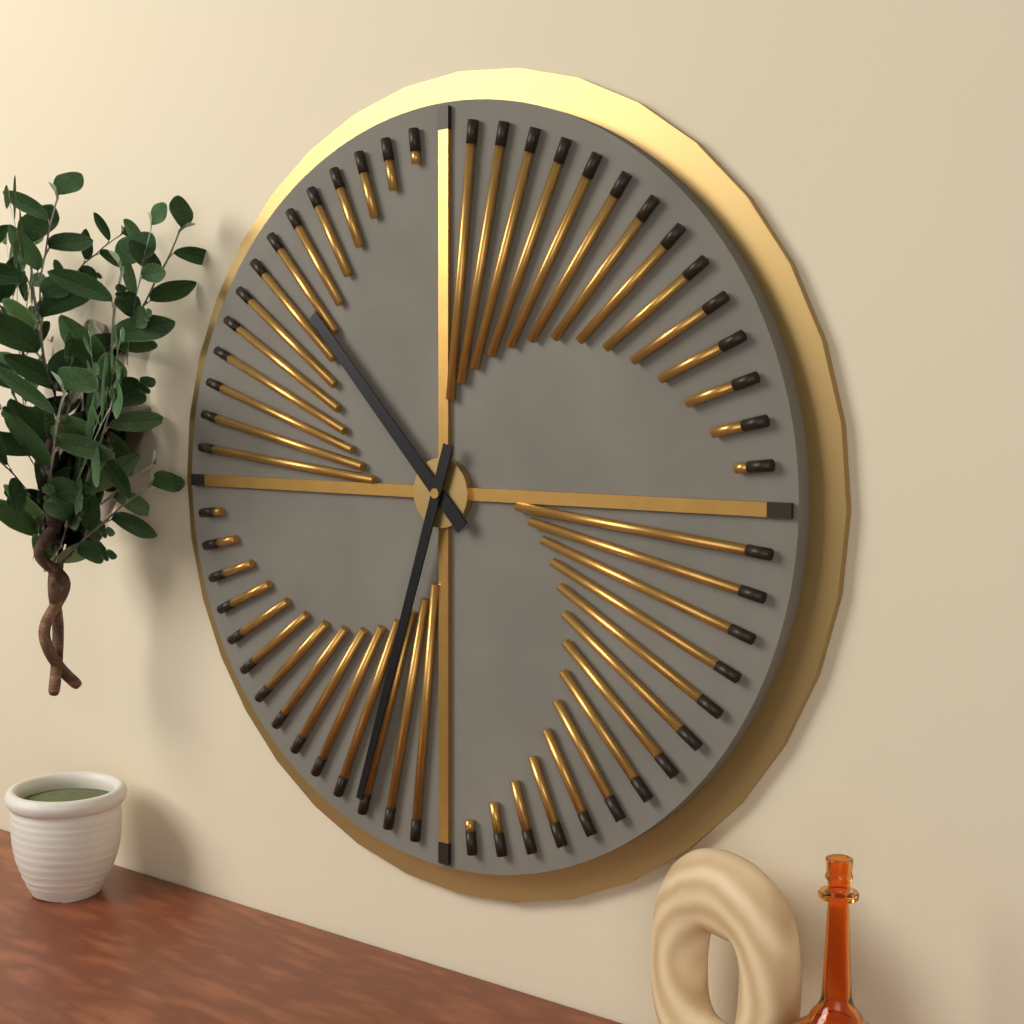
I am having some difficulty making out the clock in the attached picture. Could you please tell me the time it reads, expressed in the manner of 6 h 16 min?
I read 10 h 33 min
